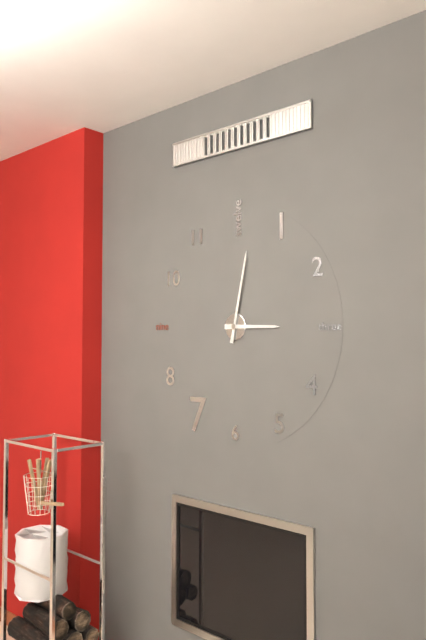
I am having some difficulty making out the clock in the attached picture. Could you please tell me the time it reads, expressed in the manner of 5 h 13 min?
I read 3 h 02 min
